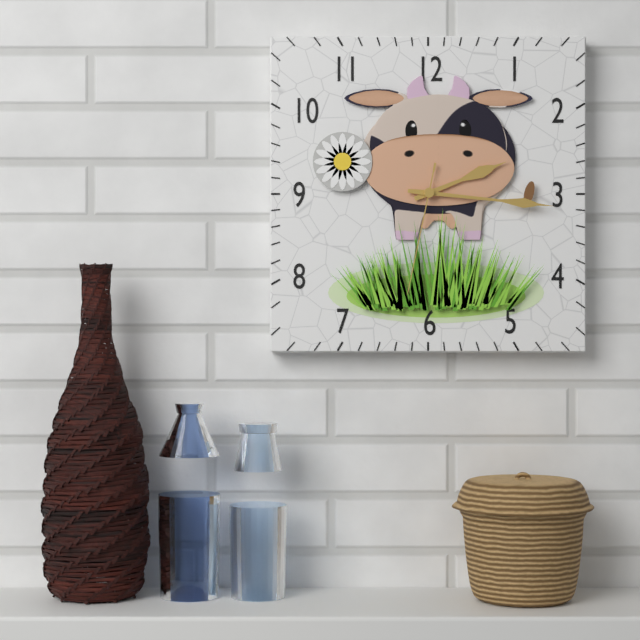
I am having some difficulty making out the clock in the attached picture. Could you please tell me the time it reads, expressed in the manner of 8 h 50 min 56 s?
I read 2 h 16 min 32 s
